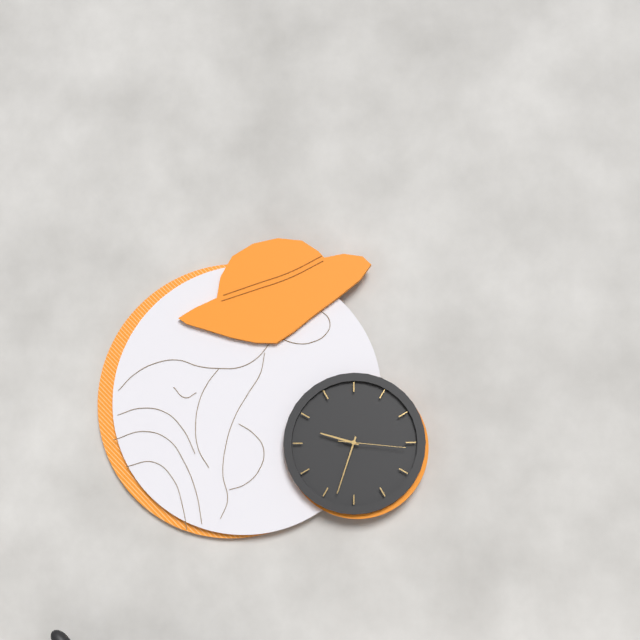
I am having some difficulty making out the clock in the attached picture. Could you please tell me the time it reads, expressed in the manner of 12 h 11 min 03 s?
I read 9 h 33 min 16 s
